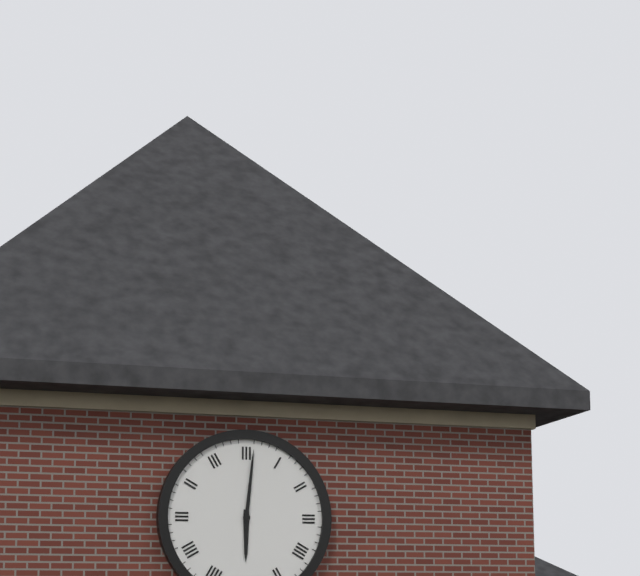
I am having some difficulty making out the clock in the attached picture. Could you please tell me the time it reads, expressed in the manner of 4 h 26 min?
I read 6 h 01 min
